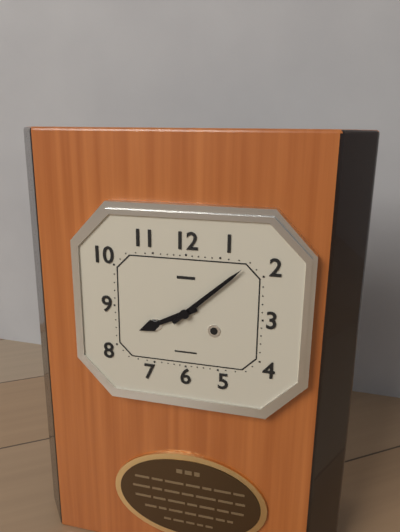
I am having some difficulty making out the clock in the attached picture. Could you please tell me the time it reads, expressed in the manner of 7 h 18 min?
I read 8 h 08 min
